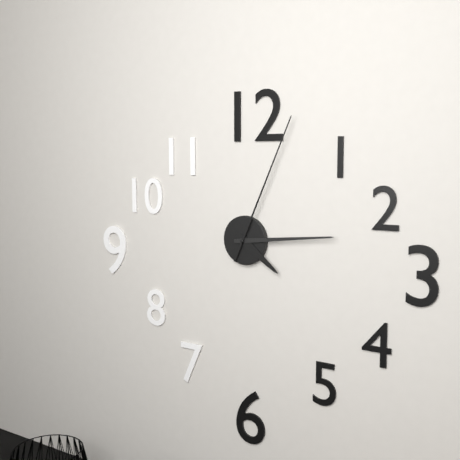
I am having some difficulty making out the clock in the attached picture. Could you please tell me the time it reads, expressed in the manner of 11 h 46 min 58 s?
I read 4 h 14 min 04 s
